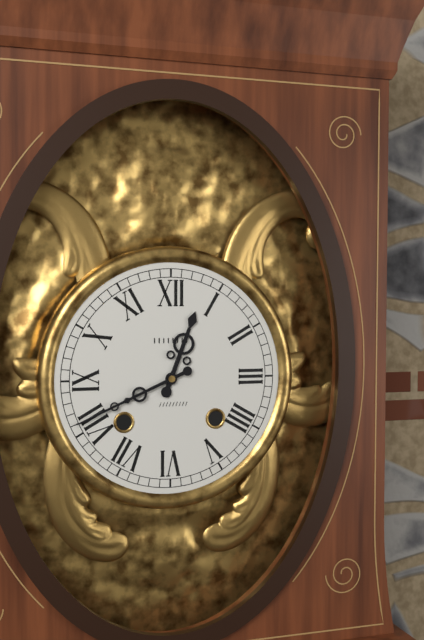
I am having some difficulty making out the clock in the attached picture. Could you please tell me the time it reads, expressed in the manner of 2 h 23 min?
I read 12 h 41 min
